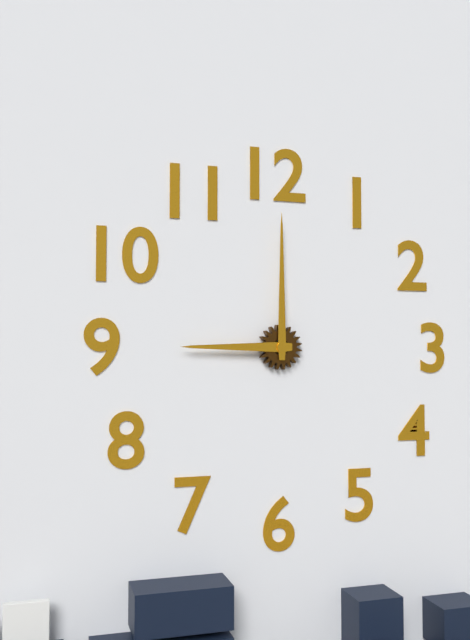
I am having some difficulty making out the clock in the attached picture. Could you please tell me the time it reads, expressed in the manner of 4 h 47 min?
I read 9 h 00 min
